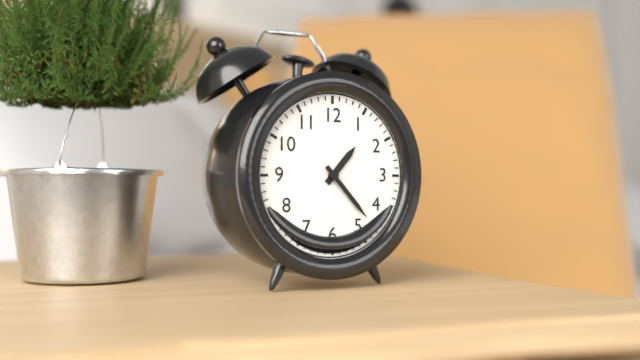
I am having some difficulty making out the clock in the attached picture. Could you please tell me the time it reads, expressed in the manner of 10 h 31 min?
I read 1 h 23 min
